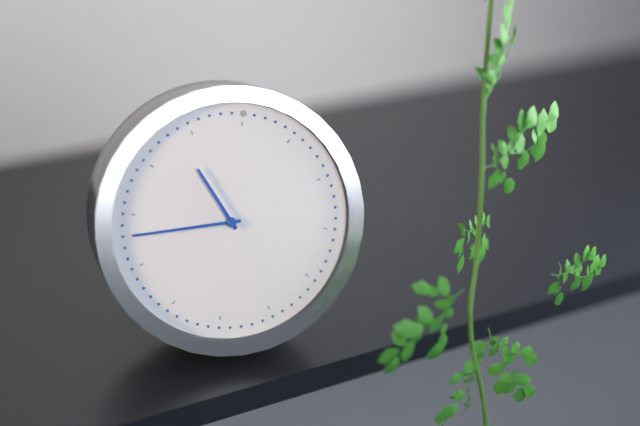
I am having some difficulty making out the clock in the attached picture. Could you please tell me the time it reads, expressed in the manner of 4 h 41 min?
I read 10 h 43 min
